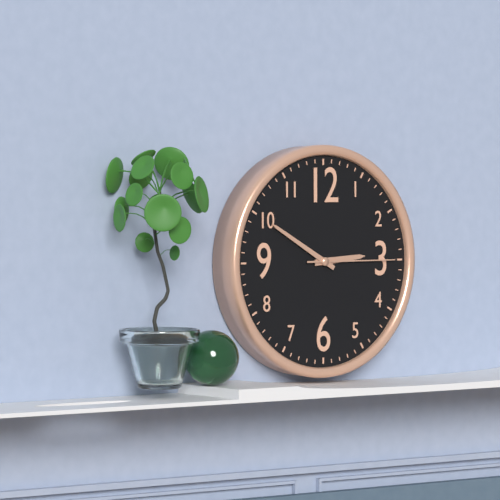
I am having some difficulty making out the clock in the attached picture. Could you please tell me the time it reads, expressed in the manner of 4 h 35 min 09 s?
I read 2 h 50 min 15 s
